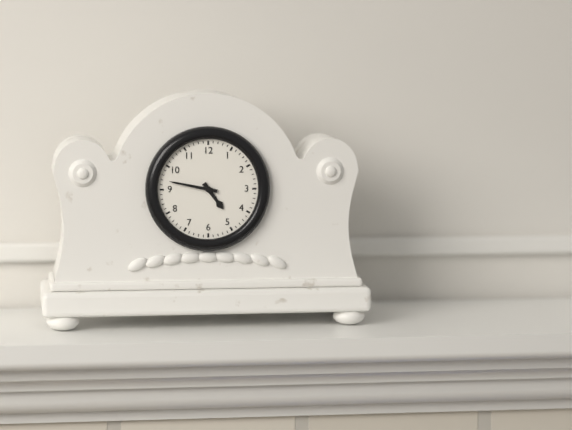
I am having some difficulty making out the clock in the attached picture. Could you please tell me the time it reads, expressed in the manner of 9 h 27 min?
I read 4 h 47 min
